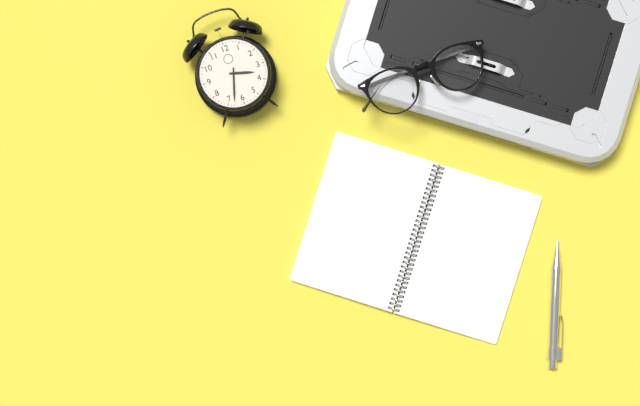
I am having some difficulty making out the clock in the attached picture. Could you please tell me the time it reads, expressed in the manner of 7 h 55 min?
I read 3 h 33 min
